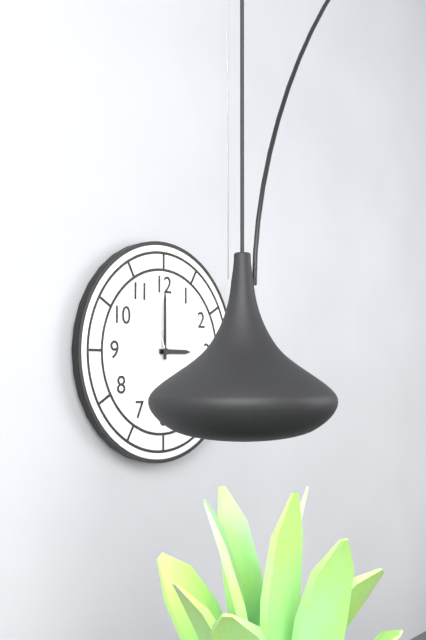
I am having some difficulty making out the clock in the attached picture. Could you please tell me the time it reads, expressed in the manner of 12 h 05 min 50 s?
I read 3 h 00 min 56 s
